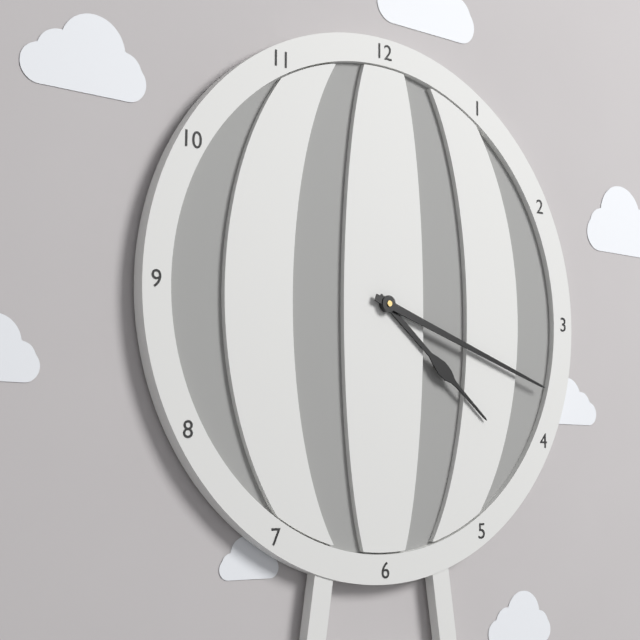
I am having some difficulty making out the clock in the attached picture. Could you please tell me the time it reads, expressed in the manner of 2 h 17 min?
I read 4 h 18 min
